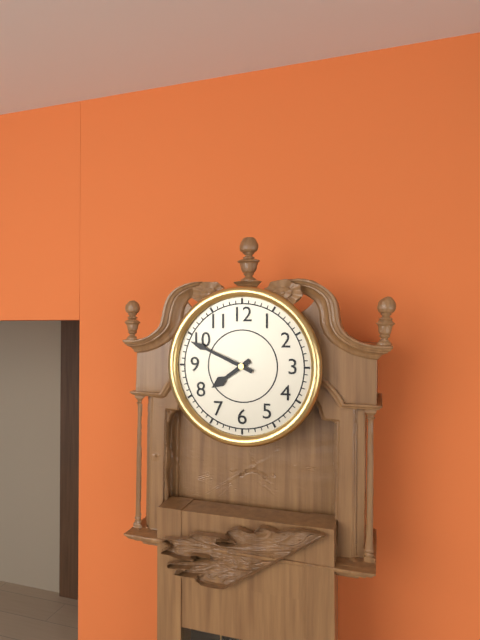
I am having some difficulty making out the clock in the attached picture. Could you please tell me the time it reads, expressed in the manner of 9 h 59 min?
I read 7 h 49 min
